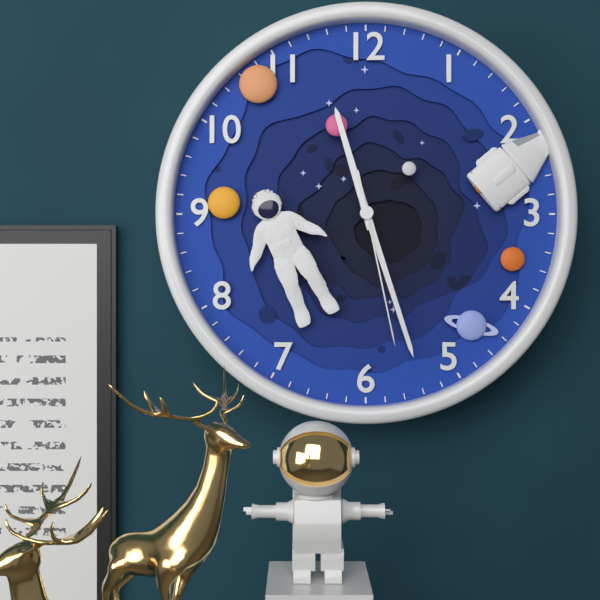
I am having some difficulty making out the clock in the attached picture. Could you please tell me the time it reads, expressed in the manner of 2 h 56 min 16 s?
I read 11 h 27 min 28 s
